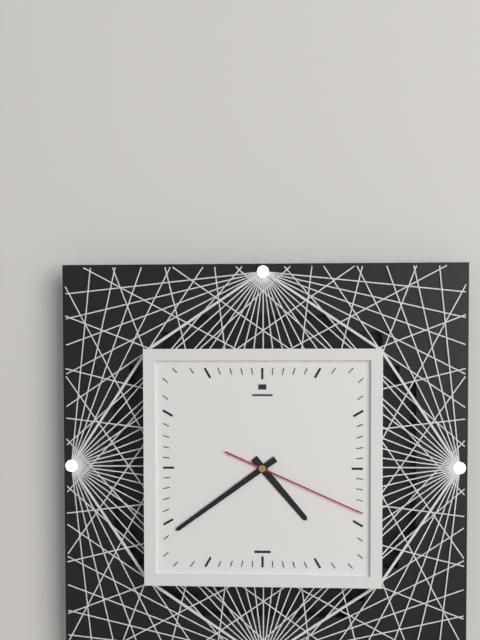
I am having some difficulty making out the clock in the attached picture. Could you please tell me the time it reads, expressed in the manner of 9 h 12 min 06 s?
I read 4 h 39 min 19 s
